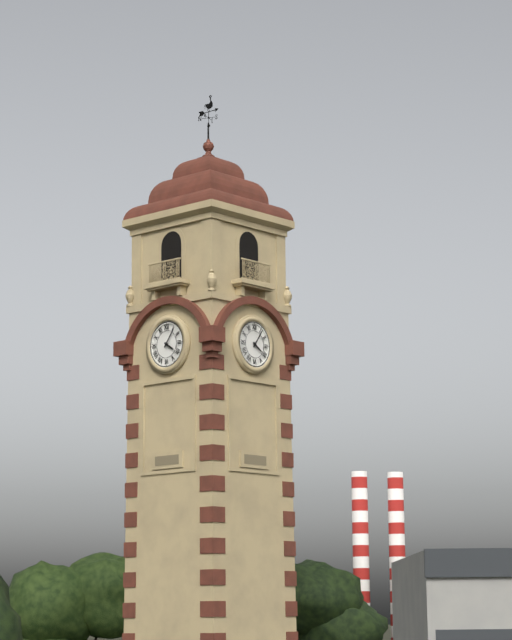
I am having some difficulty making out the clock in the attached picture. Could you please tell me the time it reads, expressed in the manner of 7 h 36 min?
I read 4 h 06 min
